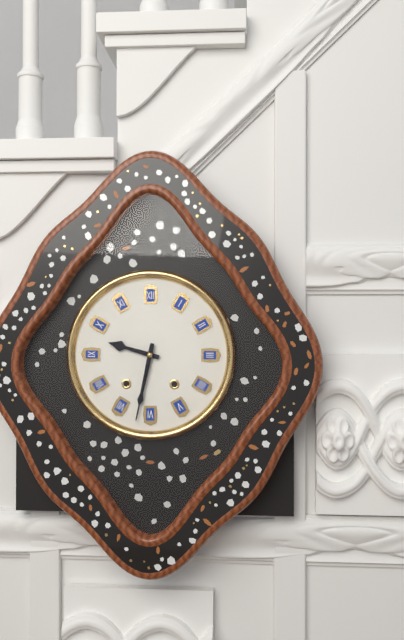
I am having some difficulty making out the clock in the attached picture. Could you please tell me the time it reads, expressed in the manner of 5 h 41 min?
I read 9 h 32 min
